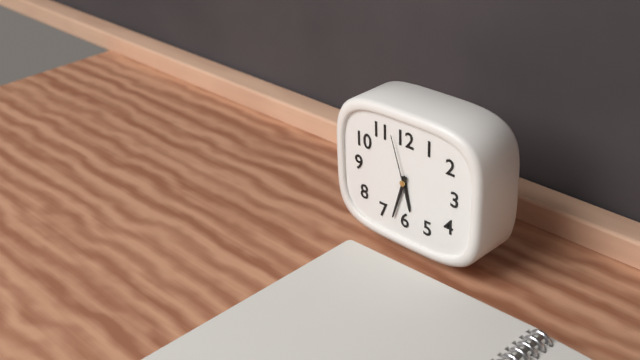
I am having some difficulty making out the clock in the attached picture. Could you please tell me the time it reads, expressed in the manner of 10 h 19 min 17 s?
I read 5 h 33 min 57 s
